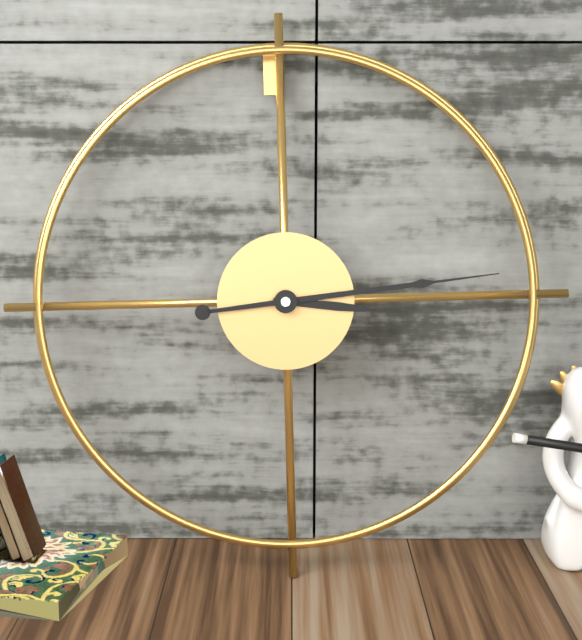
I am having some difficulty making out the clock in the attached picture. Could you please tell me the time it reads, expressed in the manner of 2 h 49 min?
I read 3 h 14 min
